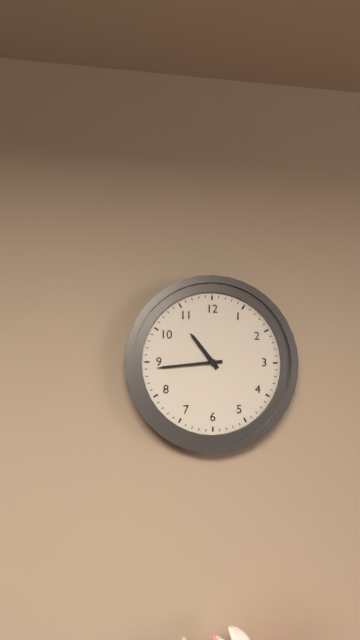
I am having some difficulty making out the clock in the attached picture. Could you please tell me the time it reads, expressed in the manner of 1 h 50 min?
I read 10 h 44 min
